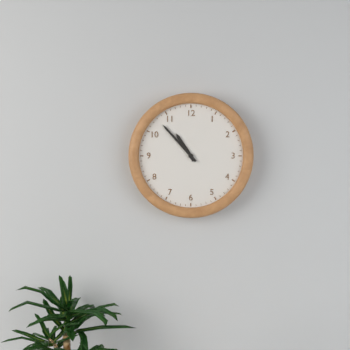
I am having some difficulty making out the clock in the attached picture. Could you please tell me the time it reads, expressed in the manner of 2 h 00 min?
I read 10 h 53 min
